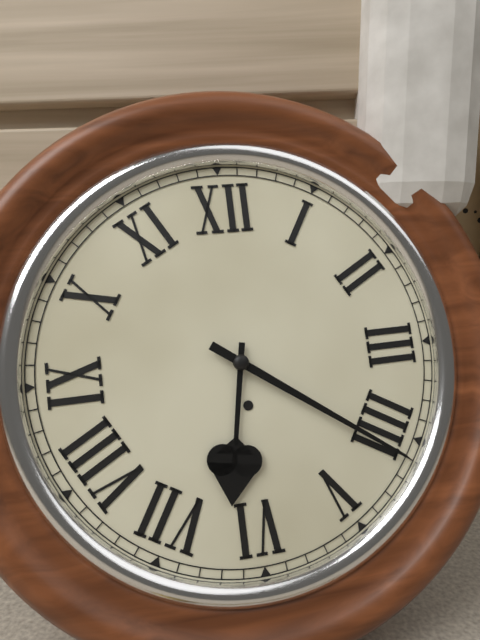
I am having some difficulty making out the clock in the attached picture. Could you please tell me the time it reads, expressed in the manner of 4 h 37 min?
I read 6 h 21 min
